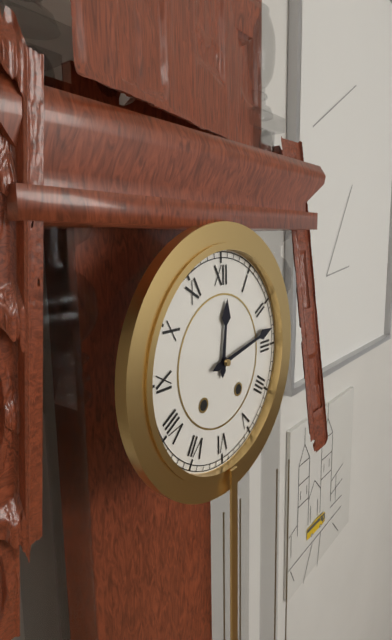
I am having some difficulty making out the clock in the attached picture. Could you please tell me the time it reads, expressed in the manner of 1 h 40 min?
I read 12 h 13 min
